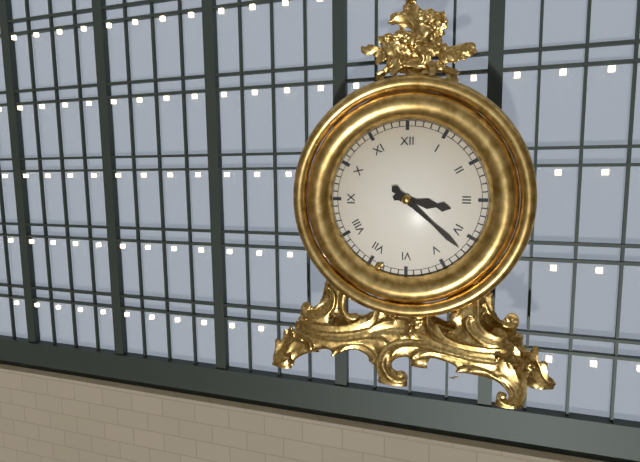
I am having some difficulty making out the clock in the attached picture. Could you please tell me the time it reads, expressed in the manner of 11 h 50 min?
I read 3 h 22 min
